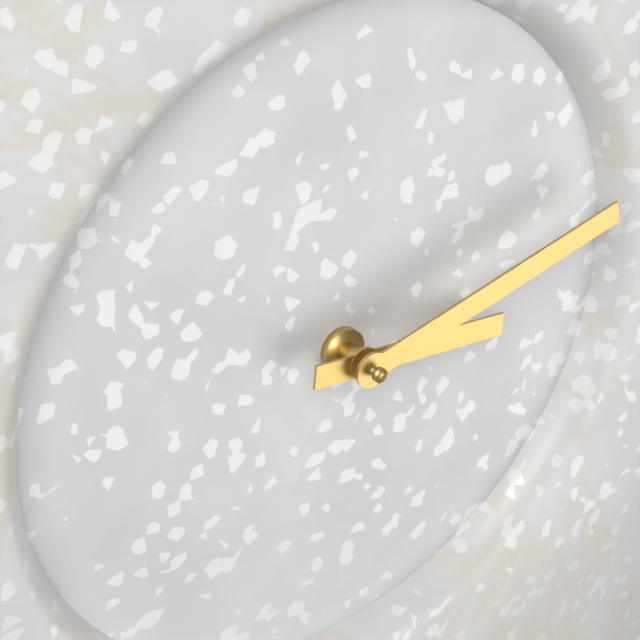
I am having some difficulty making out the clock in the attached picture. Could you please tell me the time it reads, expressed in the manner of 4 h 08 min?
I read 3 h 13 min
